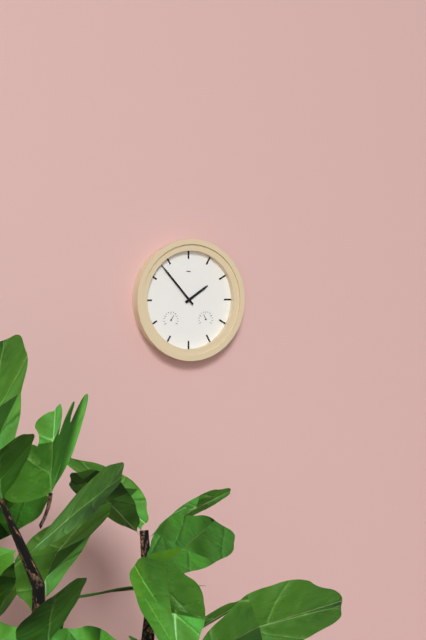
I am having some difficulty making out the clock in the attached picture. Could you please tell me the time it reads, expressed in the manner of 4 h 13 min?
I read 1 h 53 min
